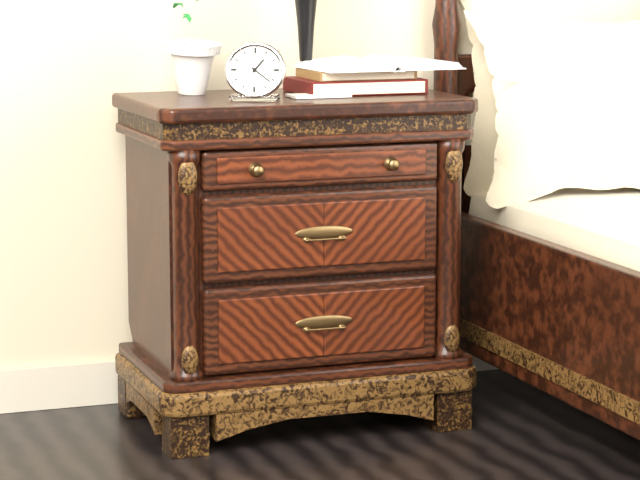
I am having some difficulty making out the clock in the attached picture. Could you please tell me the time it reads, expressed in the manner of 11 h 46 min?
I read 1 h 21 min
